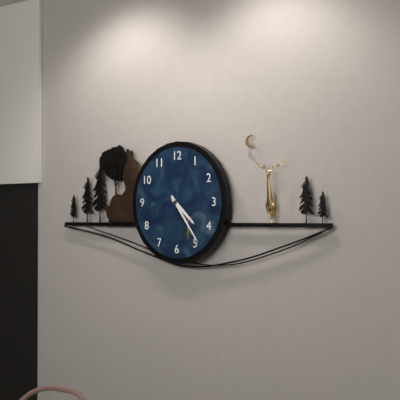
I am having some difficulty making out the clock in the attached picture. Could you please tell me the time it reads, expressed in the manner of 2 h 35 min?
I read 4 h 24 min
